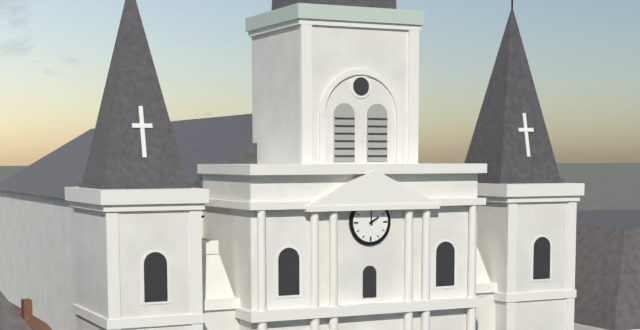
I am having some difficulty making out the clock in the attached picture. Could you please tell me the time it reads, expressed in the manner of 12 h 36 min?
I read 2 h 00 min
